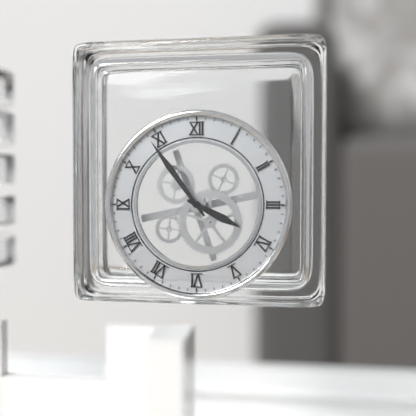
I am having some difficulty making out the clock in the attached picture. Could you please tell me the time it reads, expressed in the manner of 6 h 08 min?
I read 3 h 54 min
